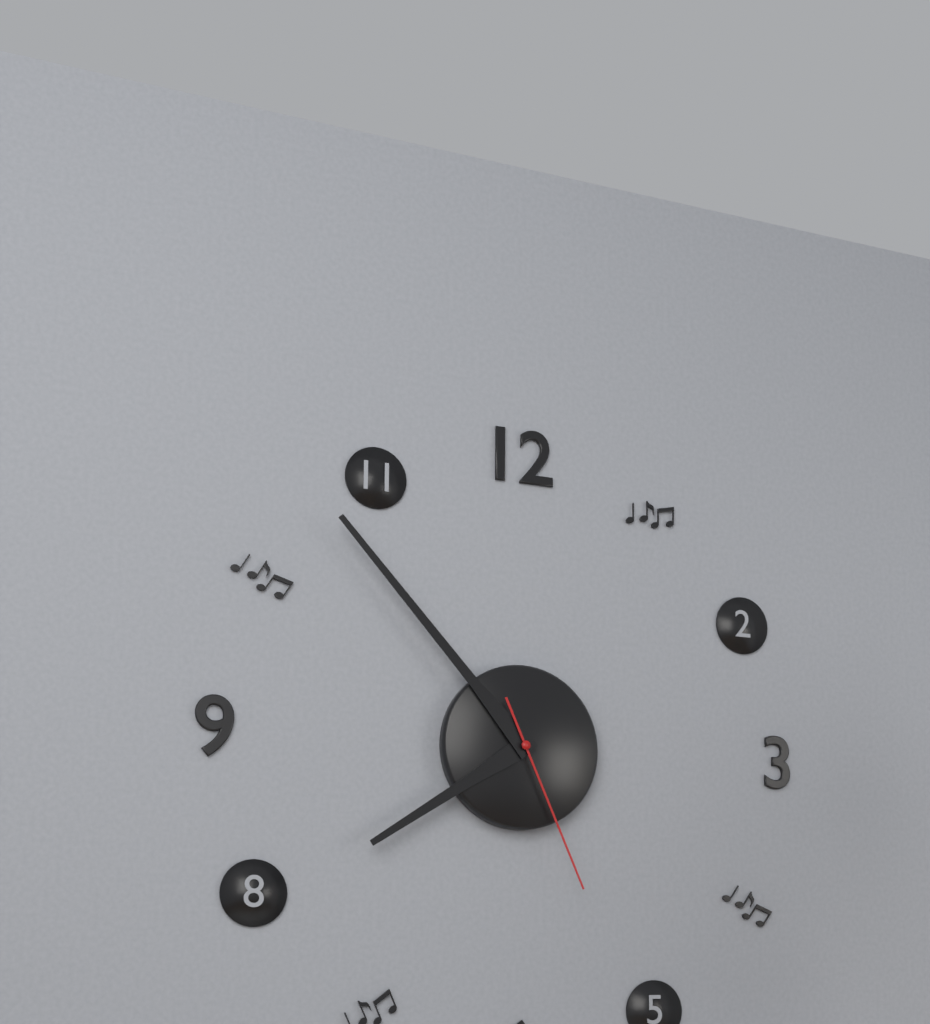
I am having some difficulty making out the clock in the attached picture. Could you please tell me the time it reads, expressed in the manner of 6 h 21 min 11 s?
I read 7 h 53 min 26 s
